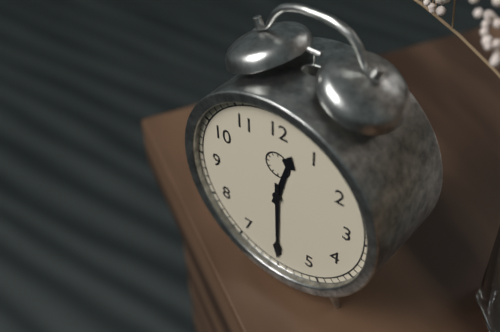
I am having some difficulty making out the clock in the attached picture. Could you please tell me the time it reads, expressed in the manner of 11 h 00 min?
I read 12 h 30 min
